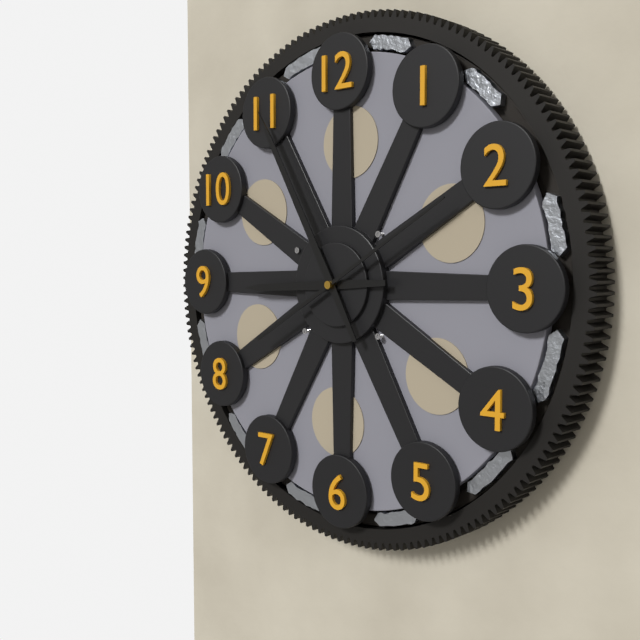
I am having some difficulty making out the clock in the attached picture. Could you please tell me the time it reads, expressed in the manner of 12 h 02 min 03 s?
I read 8 h 55 min 10 s
